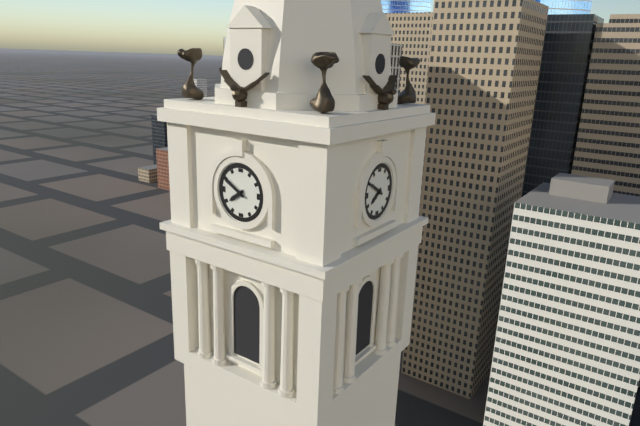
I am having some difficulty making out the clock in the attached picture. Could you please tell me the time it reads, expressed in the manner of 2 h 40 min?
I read 7 h 50 min
